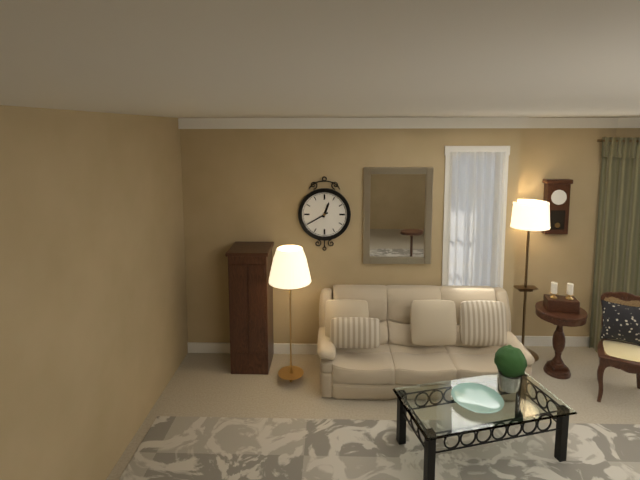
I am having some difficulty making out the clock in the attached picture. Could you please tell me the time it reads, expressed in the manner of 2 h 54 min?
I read 12 h 40 min
